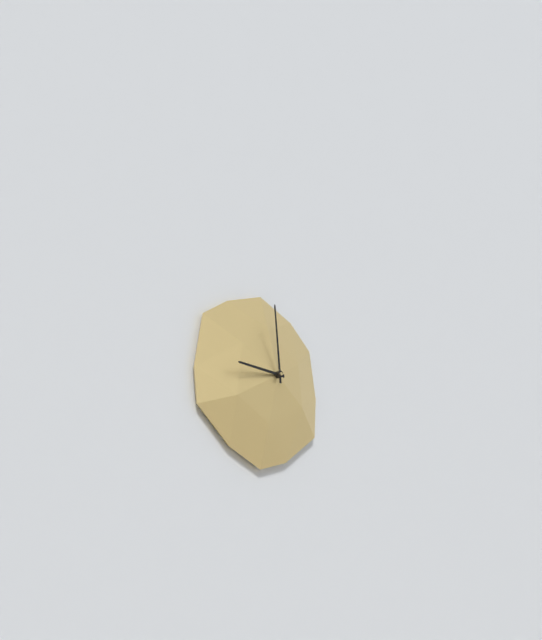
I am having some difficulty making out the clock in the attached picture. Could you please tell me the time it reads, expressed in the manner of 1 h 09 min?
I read 8 h 59 min
